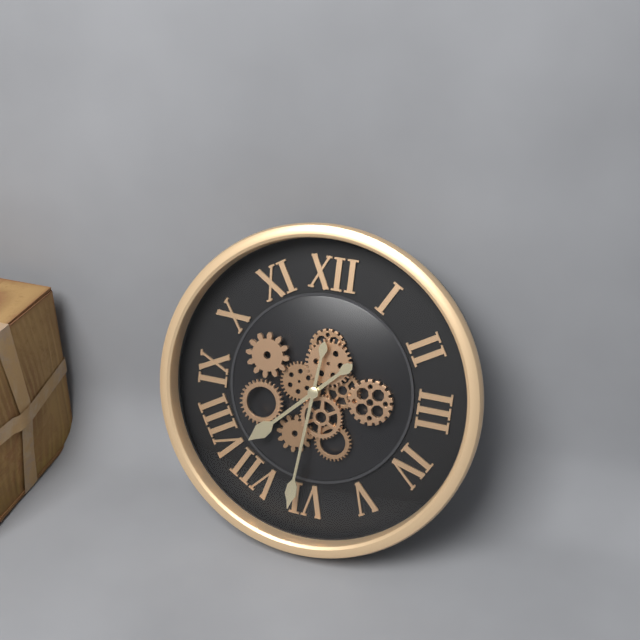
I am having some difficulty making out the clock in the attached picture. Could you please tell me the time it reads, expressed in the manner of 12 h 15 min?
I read 7 h 31 min
